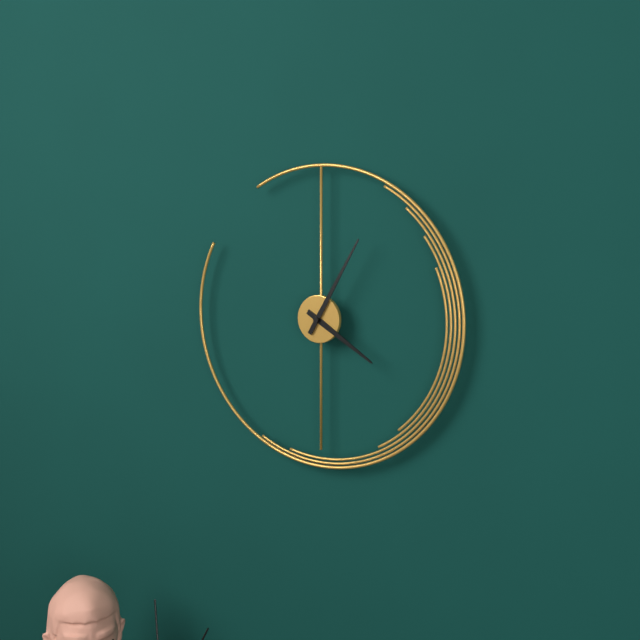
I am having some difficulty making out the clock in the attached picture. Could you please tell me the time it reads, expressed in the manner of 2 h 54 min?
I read 4 h 05 min
